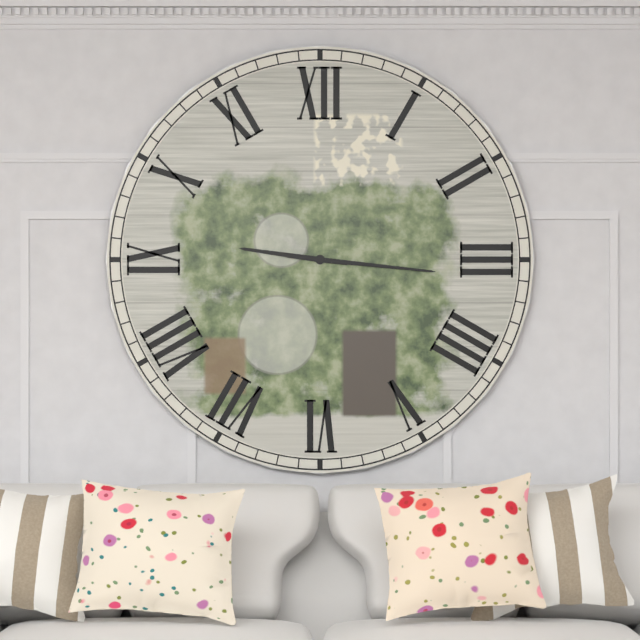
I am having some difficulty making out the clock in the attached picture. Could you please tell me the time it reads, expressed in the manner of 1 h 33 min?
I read 9 h 16 min
